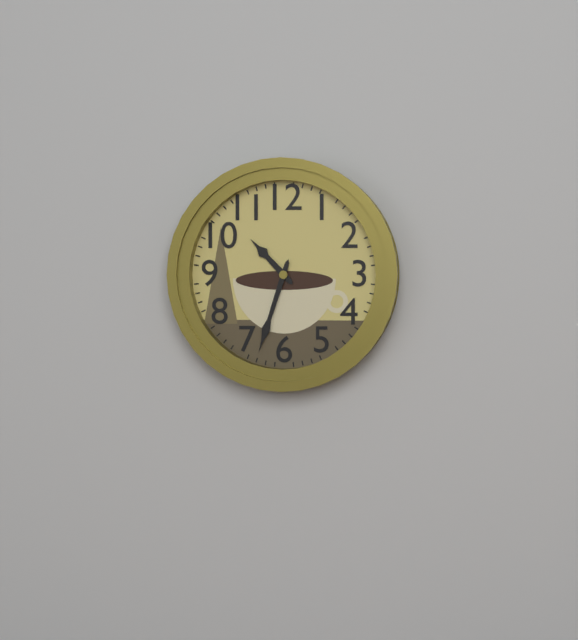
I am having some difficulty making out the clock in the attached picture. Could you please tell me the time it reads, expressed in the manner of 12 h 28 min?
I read 10 h 33 min
